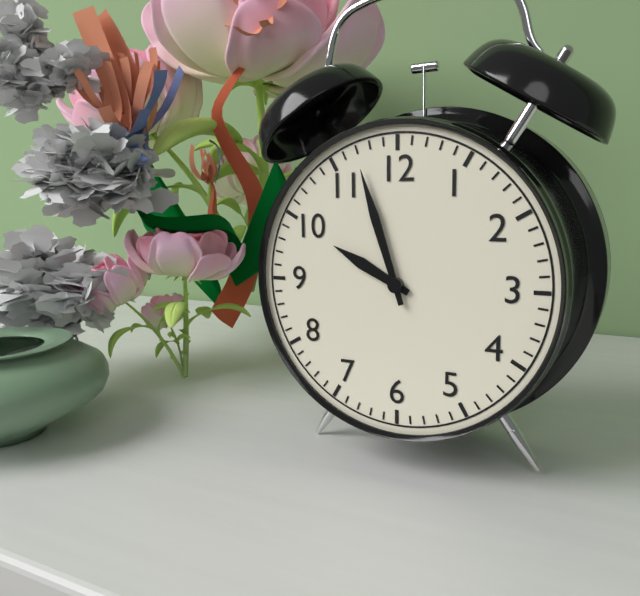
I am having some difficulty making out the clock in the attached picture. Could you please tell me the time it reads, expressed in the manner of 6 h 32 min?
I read 9 h 57 min
